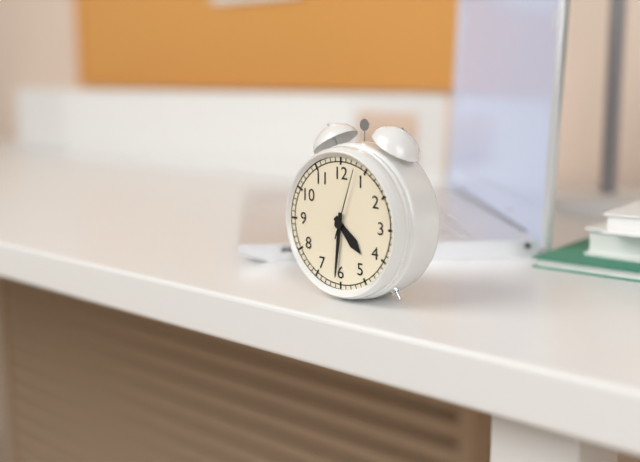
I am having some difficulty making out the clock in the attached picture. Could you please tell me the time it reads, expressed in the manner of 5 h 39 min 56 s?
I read 4 h 31 min 03 s
